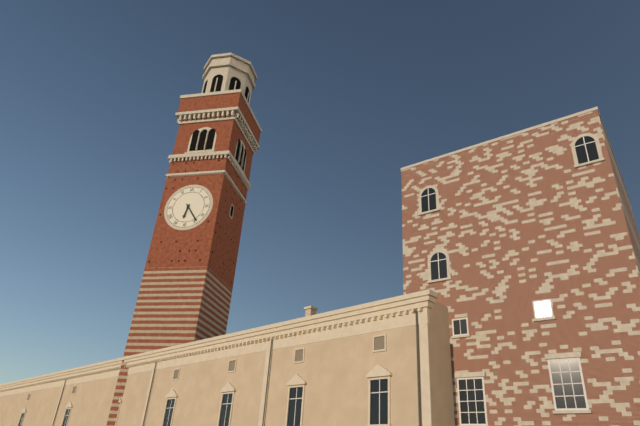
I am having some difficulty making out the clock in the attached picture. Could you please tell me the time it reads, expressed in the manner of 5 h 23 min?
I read 6 h 24 min
